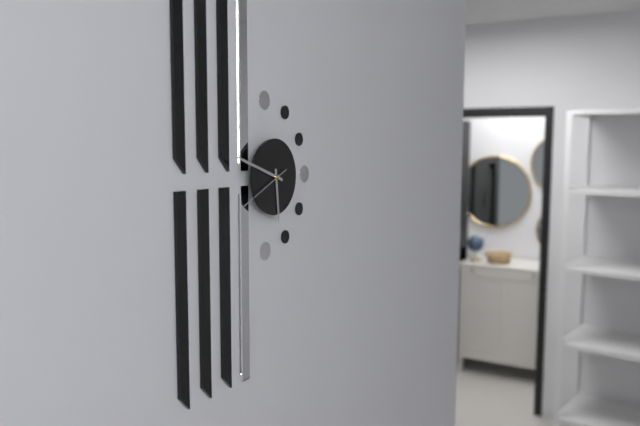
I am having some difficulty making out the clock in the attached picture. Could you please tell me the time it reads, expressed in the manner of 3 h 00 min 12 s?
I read 5 h 48 min 41 s
